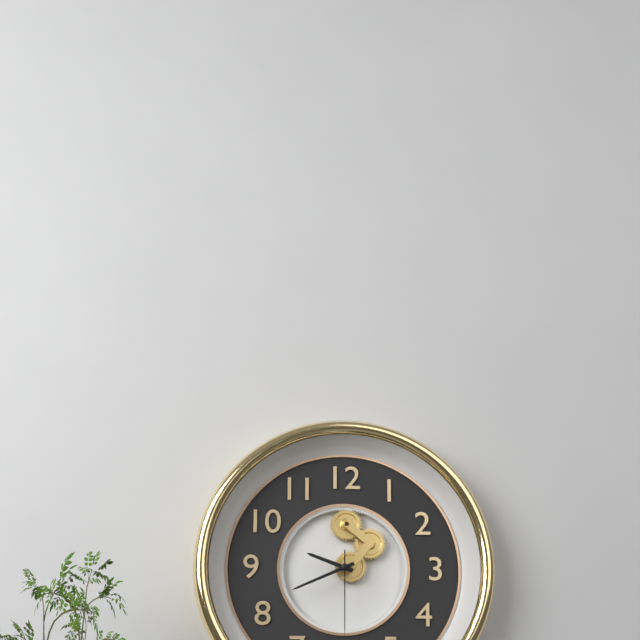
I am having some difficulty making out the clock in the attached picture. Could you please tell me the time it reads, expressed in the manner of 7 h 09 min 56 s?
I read 9 h 41 min 30 s
